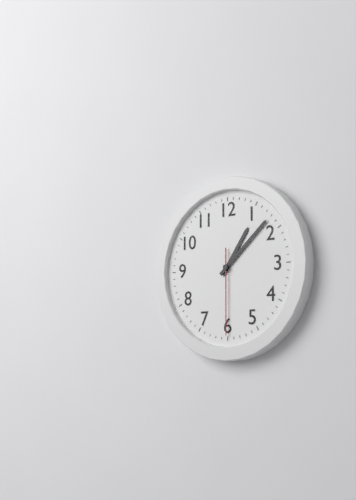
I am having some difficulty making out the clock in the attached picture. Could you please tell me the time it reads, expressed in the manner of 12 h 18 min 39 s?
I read 1 h 08 min 30 s
